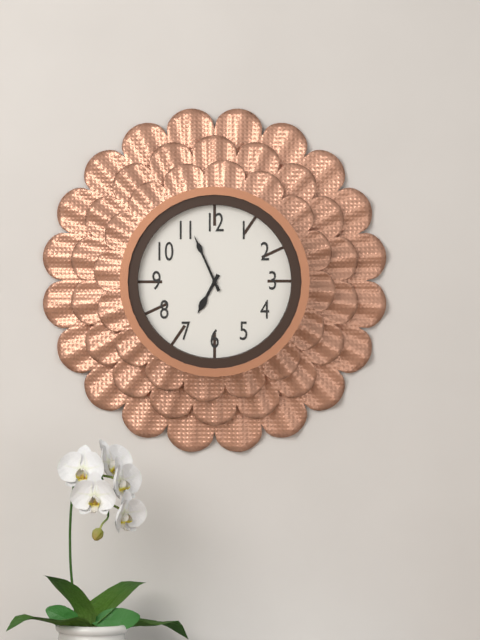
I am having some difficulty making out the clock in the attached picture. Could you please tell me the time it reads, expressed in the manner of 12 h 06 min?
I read 6 h 56 min
